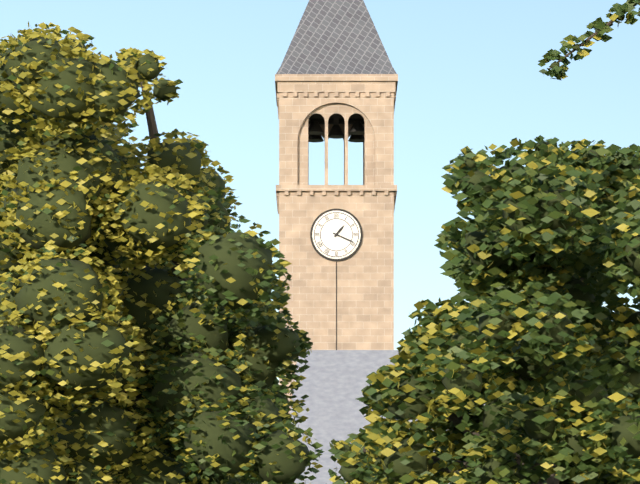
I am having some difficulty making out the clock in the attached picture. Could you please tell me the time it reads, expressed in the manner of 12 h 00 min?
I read 1 h 19 min
